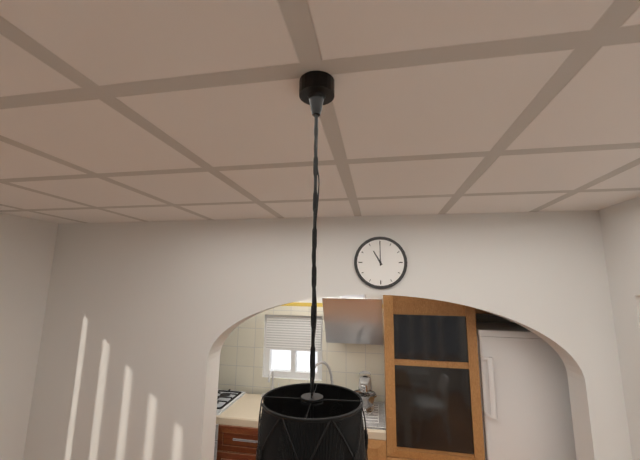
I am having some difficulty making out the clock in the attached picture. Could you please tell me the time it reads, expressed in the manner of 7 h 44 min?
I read 11 h 00 min
